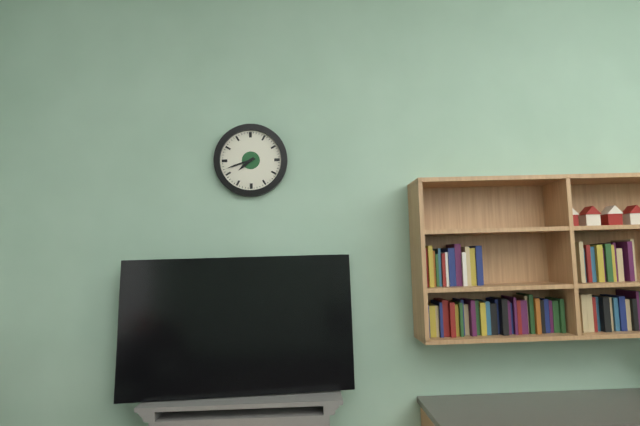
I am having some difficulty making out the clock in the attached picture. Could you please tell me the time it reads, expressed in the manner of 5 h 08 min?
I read 7 h 42 min
